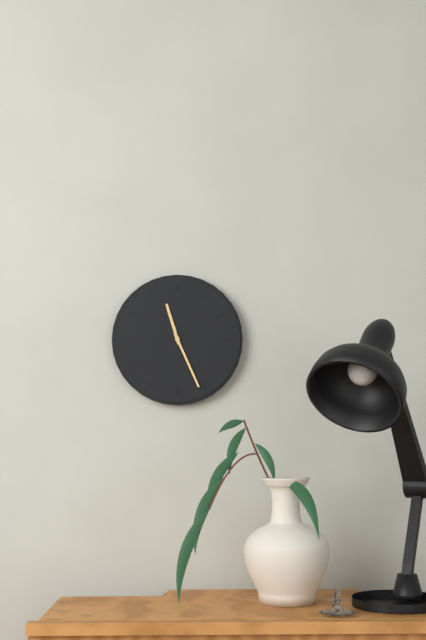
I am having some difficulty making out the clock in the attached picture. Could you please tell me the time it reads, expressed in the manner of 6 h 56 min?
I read 11 h 26 min
